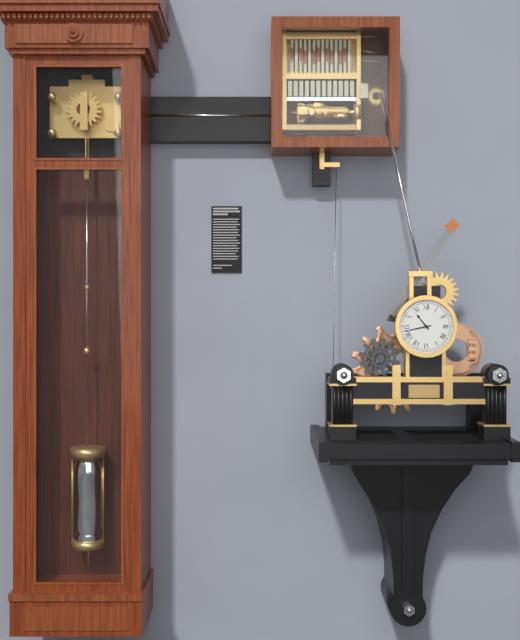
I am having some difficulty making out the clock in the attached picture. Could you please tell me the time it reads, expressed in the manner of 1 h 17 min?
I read 10 h 43 min
